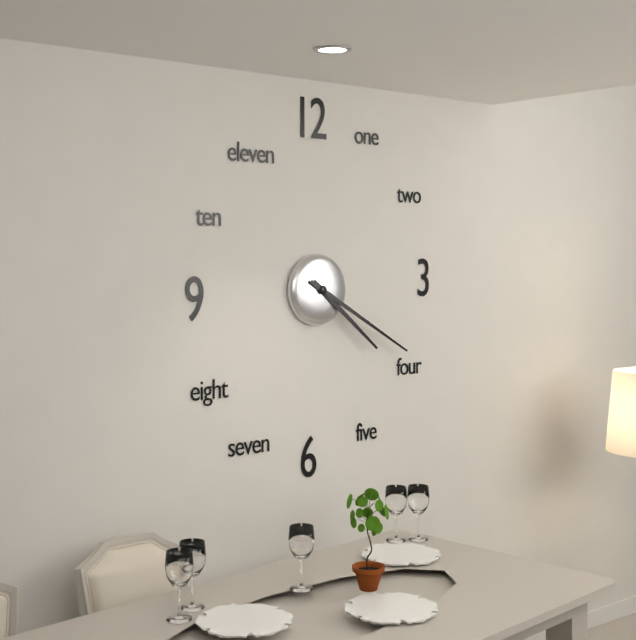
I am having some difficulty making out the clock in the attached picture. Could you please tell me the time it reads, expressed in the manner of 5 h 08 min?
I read 4 h 20 min
